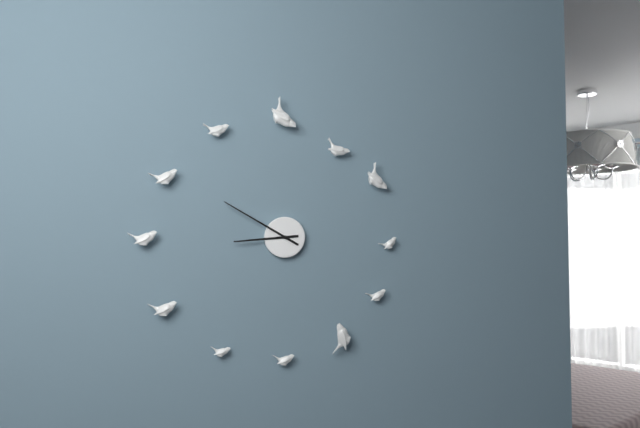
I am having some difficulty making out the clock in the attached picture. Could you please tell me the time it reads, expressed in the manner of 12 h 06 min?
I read 8 h 50 min
